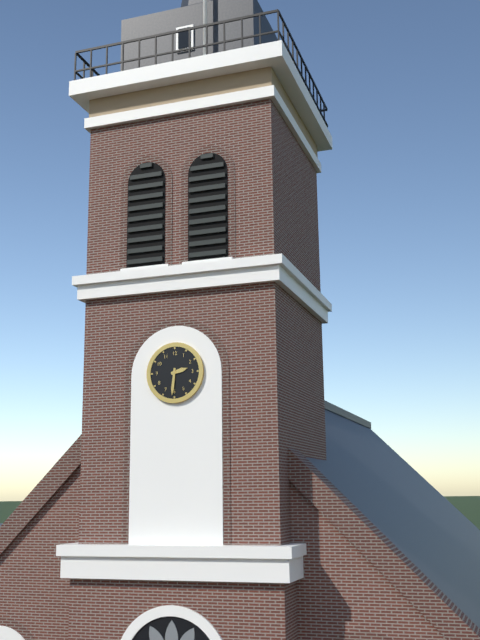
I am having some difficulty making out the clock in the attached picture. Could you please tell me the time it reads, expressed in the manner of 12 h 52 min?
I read 2 h 31 min
